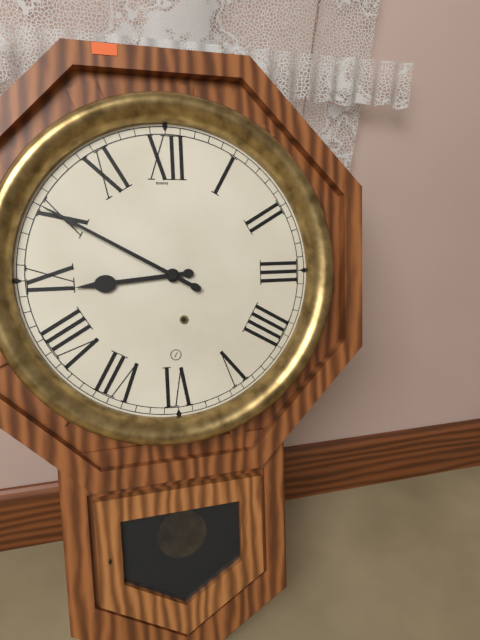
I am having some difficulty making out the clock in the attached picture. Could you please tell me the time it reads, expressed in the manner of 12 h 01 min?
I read 8 h 50 min
